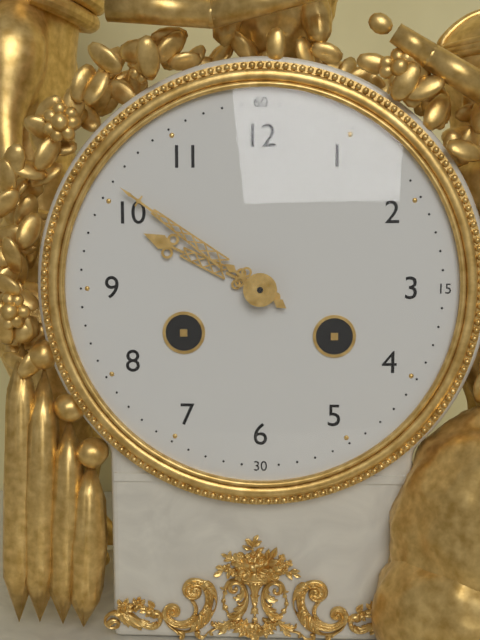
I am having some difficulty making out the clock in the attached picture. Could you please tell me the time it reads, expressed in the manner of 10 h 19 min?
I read 9 h 51 min
